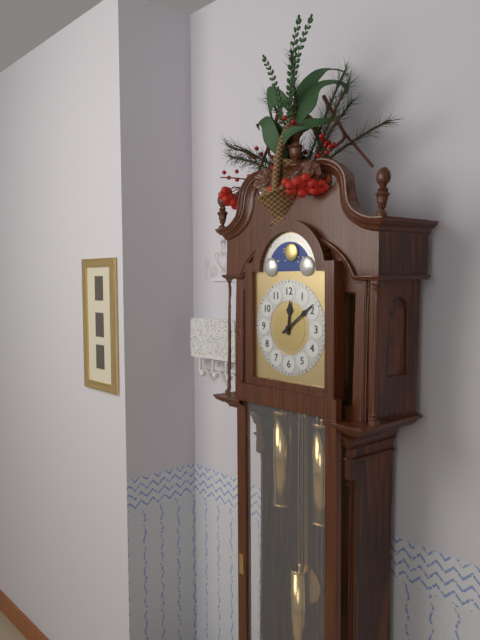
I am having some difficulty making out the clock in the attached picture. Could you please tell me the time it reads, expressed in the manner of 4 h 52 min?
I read 12 h 09 min
